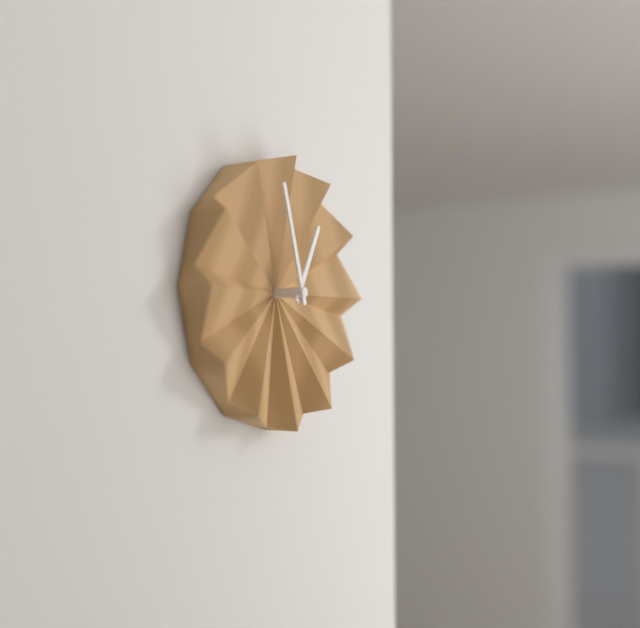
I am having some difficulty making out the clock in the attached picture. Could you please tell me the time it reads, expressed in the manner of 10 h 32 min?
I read 12 h 57 min
